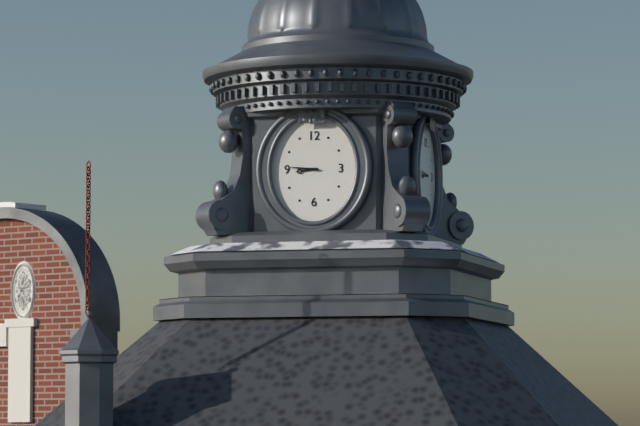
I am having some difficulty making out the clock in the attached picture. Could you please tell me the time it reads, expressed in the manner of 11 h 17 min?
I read 8 h 46 min
